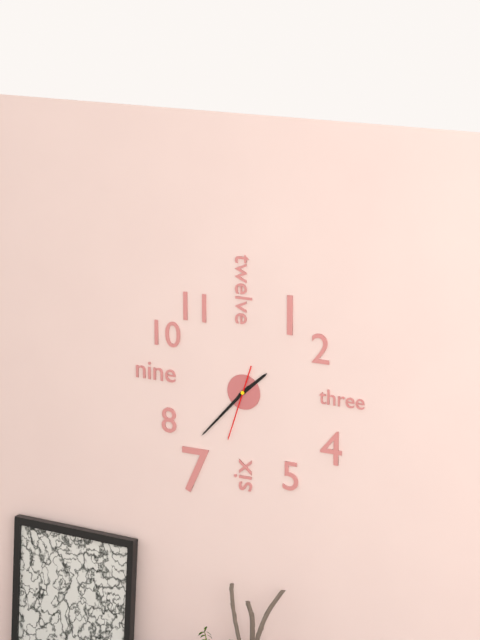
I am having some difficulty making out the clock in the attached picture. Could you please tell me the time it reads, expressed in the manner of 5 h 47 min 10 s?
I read 1 h 37 min 33 s
